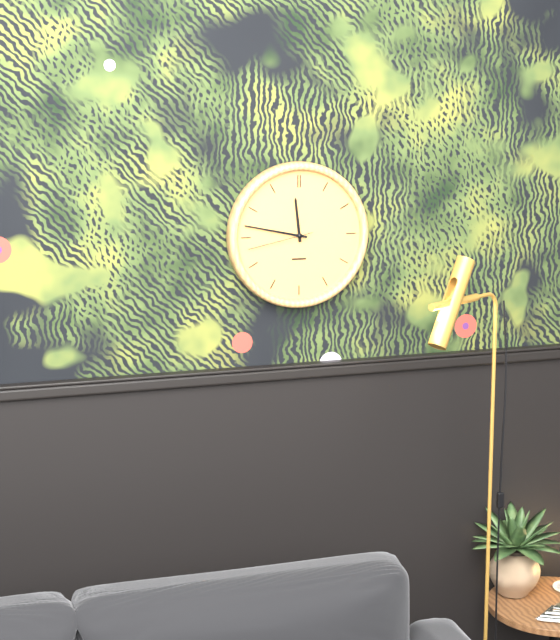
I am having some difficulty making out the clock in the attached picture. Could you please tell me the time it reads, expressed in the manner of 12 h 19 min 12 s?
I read 11 h 47 min 43 s
